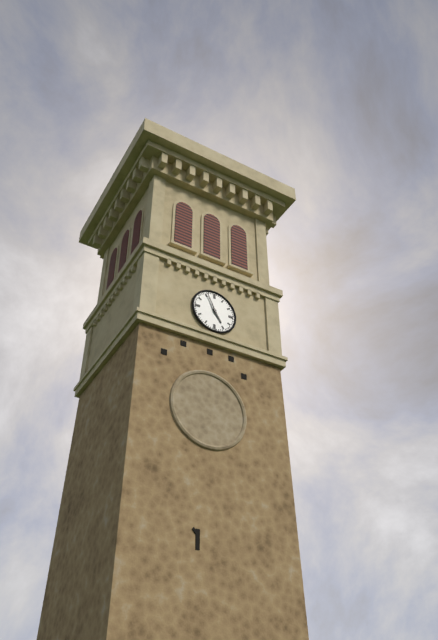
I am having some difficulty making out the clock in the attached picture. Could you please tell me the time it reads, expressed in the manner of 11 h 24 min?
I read 4 h 56 min
